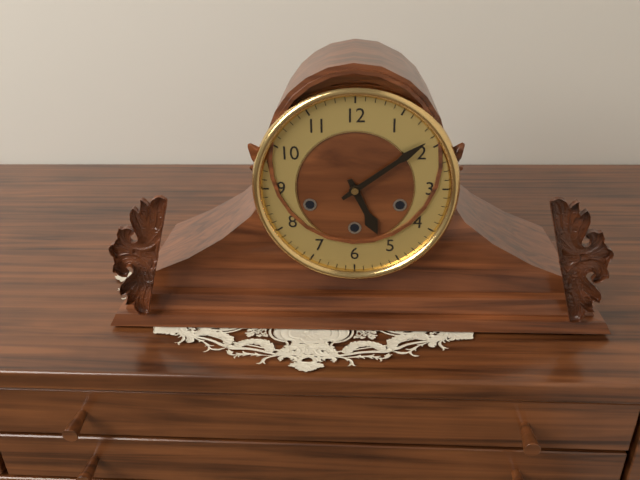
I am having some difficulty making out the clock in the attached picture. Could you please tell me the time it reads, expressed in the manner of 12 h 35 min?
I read 5 h 09 min
